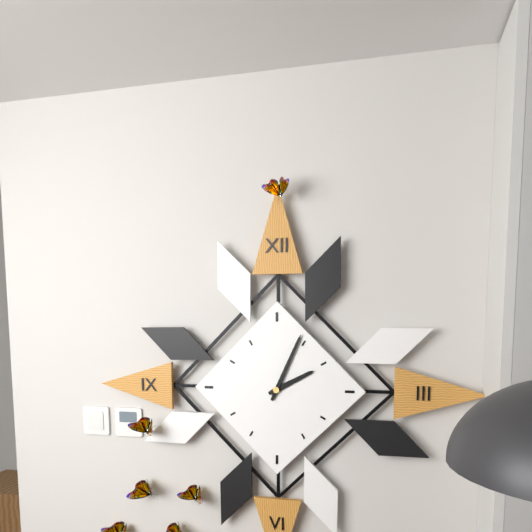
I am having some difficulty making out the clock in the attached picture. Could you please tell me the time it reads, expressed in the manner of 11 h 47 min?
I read 2 h 04 min
